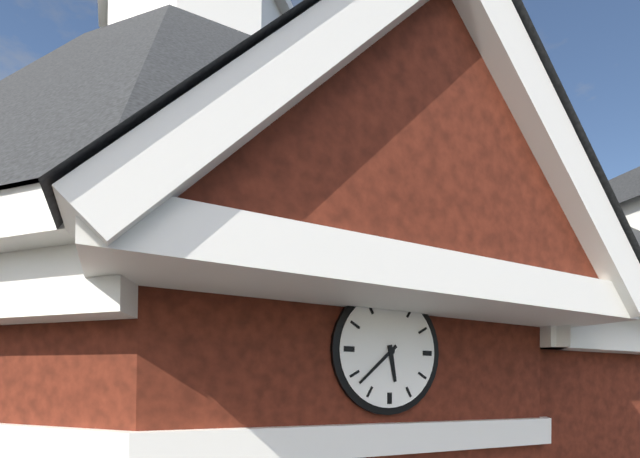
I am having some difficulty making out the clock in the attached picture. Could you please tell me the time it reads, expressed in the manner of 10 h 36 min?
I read 5 h 38 min
